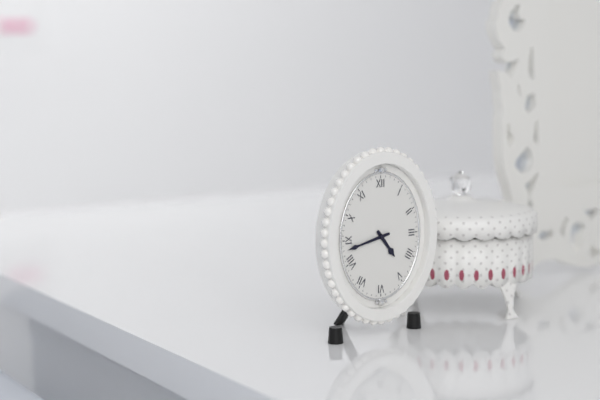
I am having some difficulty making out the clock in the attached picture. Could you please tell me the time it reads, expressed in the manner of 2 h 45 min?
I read 4 h 43 min
